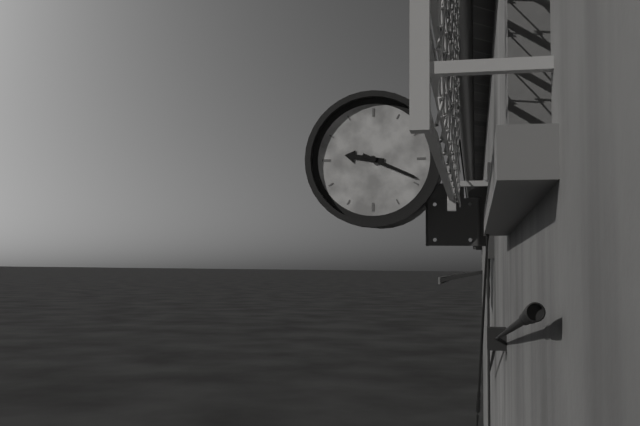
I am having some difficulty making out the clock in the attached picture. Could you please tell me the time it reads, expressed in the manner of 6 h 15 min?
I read 9 h 19 min
